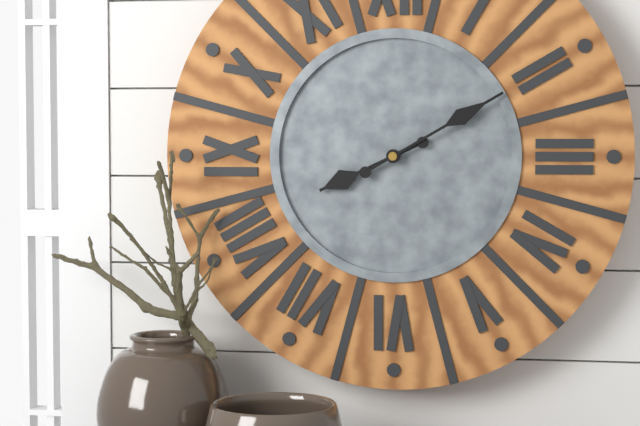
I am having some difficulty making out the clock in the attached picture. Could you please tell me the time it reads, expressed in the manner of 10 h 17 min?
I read 8 h 10 min
